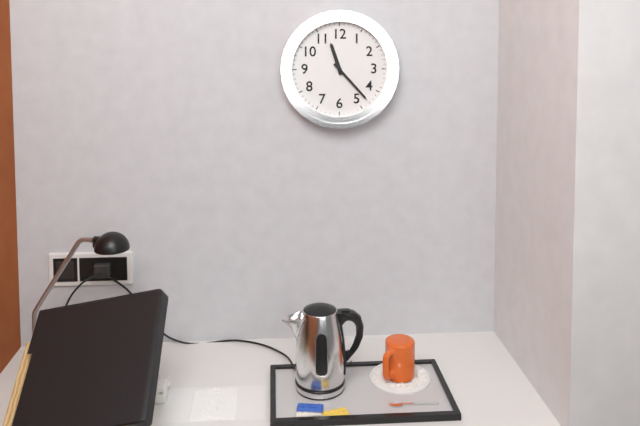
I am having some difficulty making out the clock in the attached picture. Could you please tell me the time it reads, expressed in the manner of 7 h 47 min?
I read 11 h 23 min
